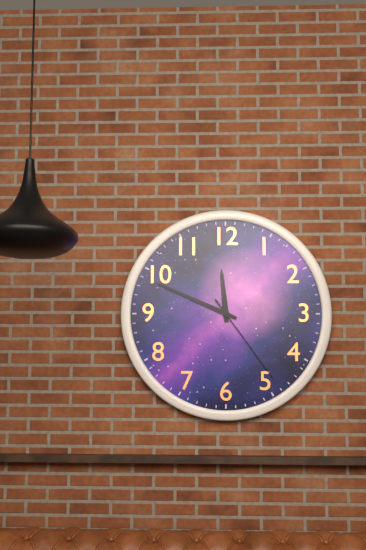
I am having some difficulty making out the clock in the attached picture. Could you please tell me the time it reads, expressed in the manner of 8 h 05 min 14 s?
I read 11 h 49 min 24 s
